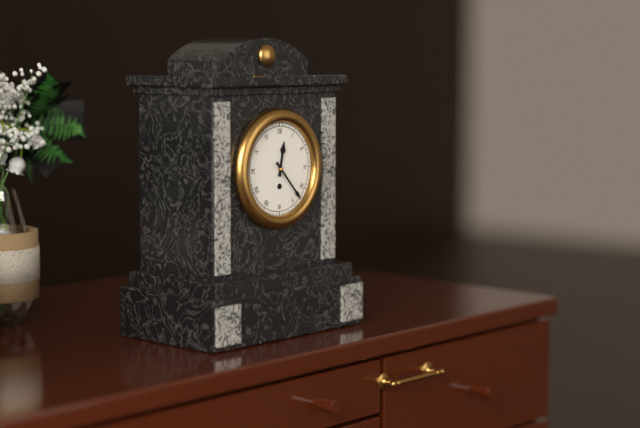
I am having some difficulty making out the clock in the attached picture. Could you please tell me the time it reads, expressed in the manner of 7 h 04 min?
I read 12 h 23 min
